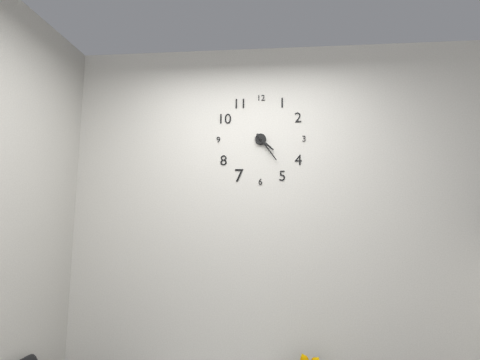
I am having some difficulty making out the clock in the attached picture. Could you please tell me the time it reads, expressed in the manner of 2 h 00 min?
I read 4 h 24 min
